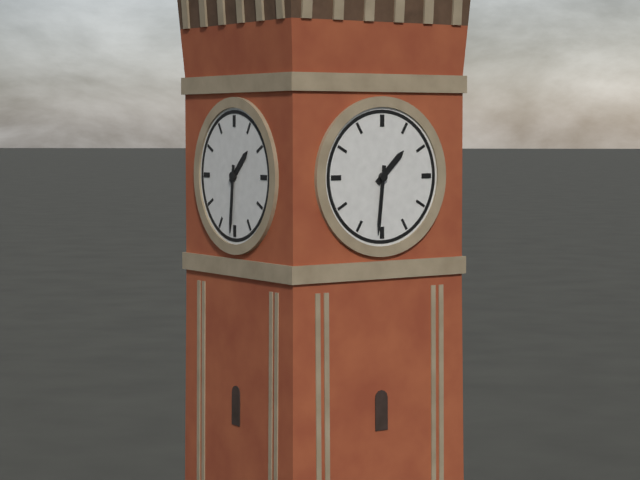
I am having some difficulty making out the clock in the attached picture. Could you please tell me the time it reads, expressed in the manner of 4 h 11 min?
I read 1 h 31 min
